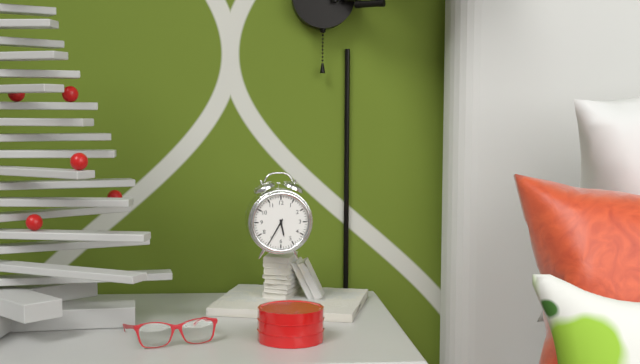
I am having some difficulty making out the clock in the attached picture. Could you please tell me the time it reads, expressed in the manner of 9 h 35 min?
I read 5 h 35 min
